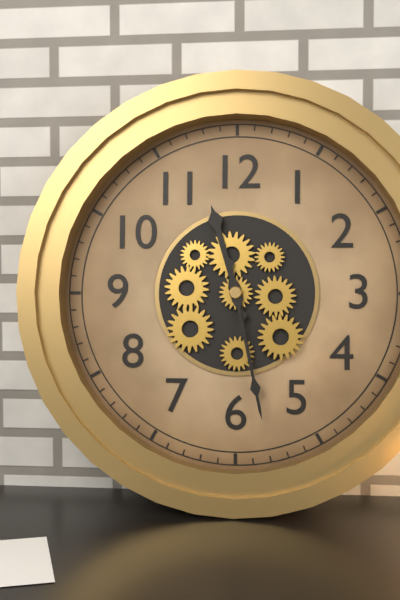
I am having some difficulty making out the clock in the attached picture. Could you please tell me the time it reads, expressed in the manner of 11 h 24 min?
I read 11 h 28 min
